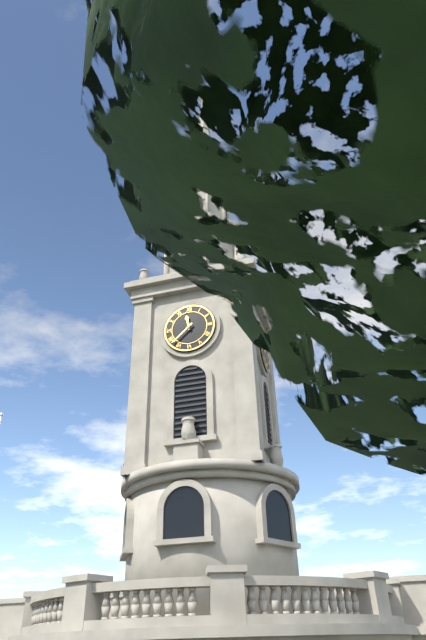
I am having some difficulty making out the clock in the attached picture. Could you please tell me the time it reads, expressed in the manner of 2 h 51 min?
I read 11 h 38 min
